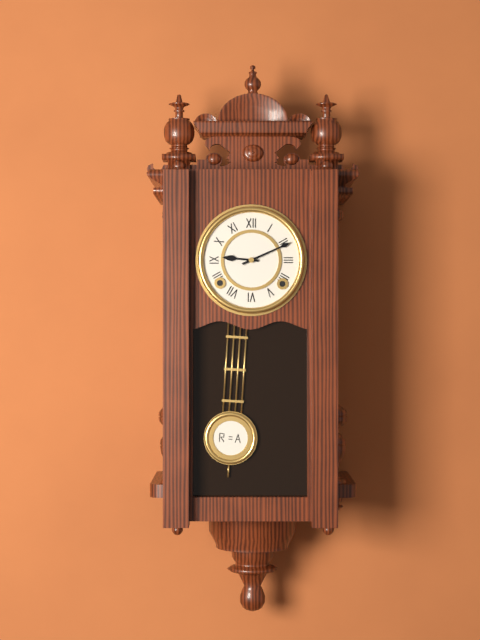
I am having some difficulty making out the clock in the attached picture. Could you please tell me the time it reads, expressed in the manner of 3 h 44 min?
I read 9 h 11 min
